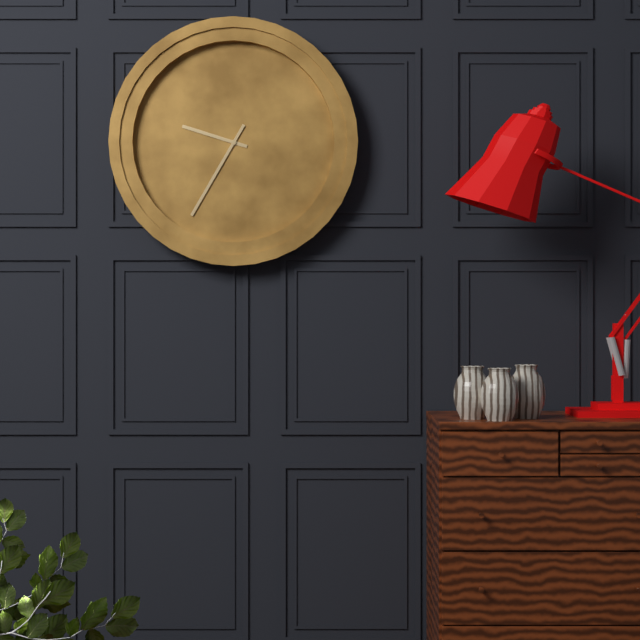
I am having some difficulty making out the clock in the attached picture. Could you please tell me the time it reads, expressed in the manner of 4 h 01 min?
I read 9 h 35 min
